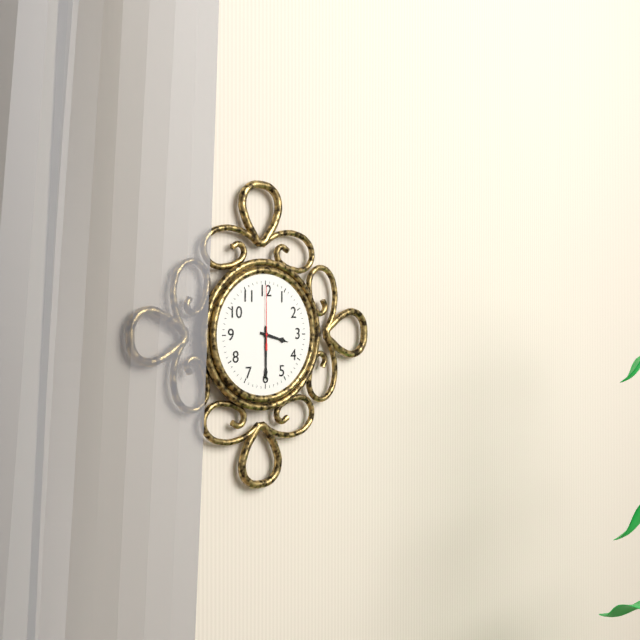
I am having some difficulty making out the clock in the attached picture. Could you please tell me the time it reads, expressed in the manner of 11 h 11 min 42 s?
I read 3 h 30 min 00 s
